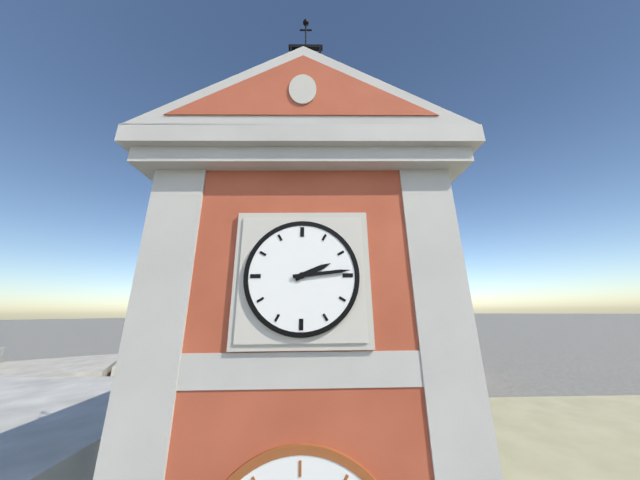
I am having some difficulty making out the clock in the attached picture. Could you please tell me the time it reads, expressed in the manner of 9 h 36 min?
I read 2 h 14 min
